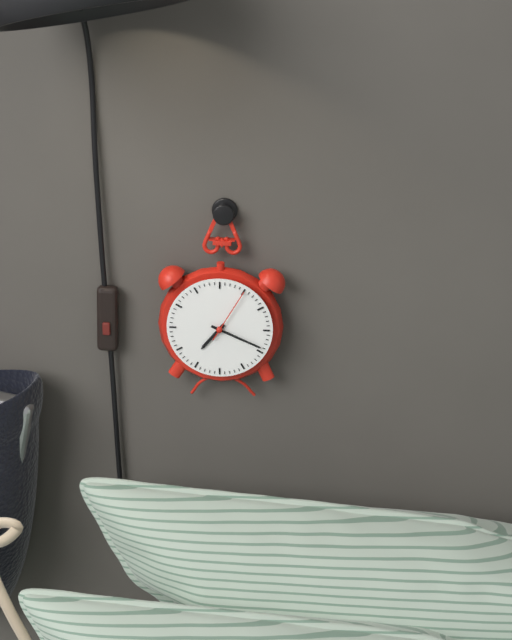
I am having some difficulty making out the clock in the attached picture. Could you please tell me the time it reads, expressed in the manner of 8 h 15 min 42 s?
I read 7 h 19 min 05 s
